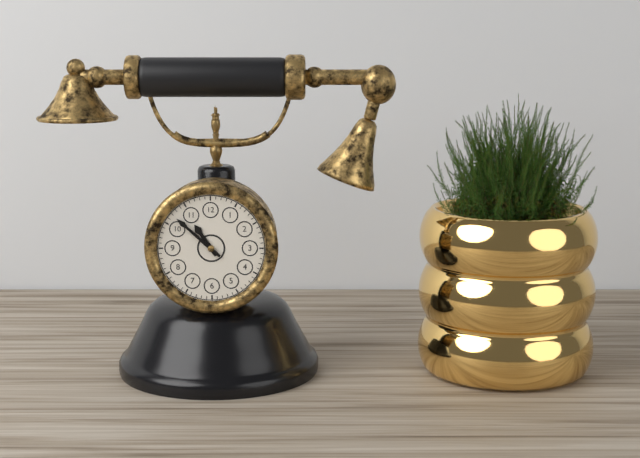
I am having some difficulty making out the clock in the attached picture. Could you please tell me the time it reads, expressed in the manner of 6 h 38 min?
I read 10 h 52 min
